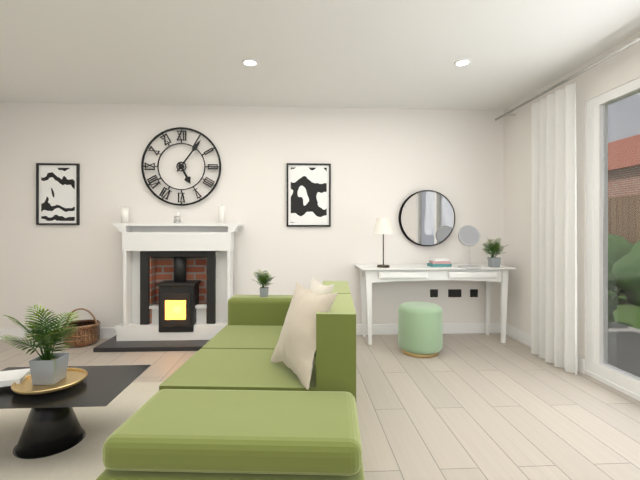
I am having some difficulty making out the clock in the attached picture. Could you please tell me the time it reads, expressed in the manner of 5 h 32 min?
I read 5 h 06 min
